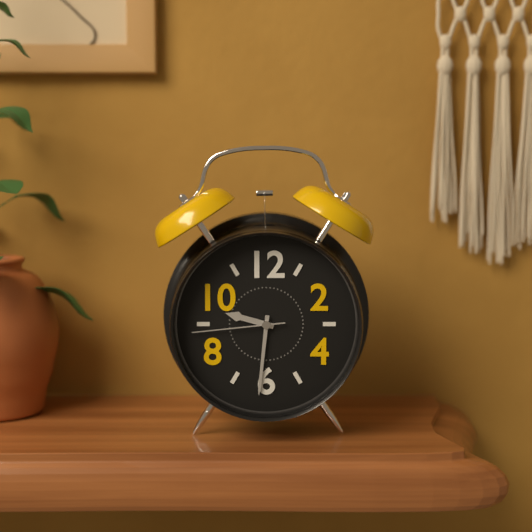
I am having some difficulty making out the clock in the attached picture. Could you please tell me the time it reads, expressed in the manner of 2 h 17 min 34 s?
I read 9 h 31 min 44 s
